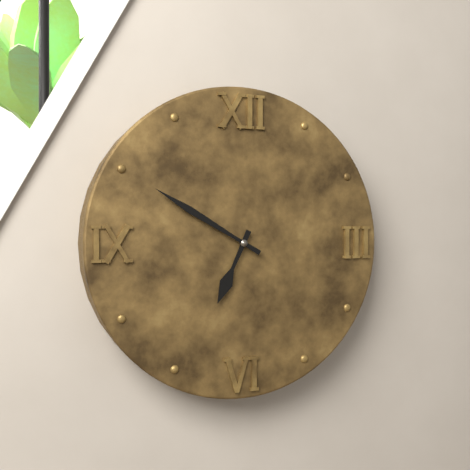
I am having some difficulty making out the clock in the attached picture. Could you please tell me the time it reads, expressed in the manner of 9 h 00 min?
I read 6 h 50 min
